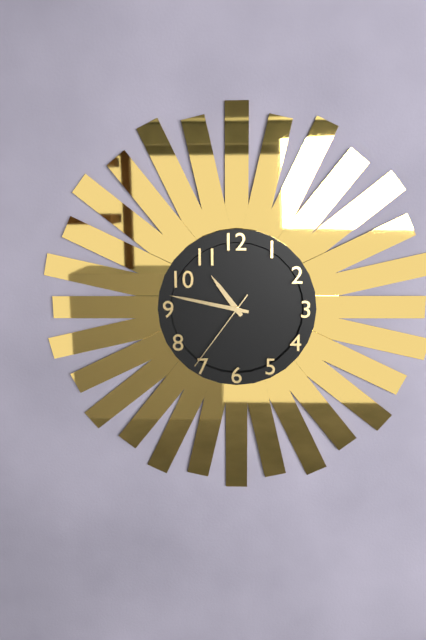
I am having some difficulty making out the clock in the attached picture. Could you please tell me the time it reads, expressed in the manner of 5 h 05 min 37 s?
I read 10 h 47 min 36 s
